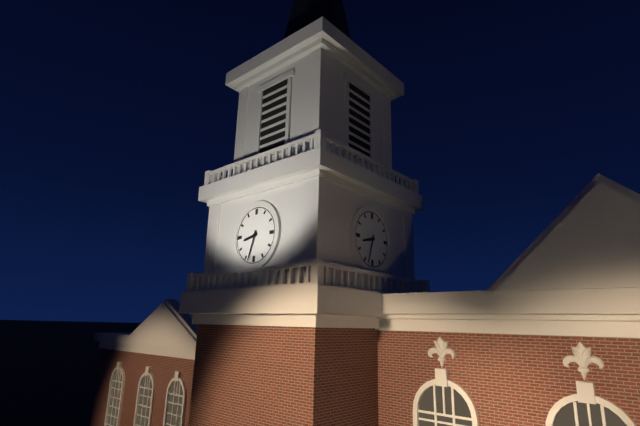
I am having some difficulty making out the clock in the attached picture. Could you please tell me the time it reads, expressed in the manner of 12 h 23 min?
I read 8 h 33 min
